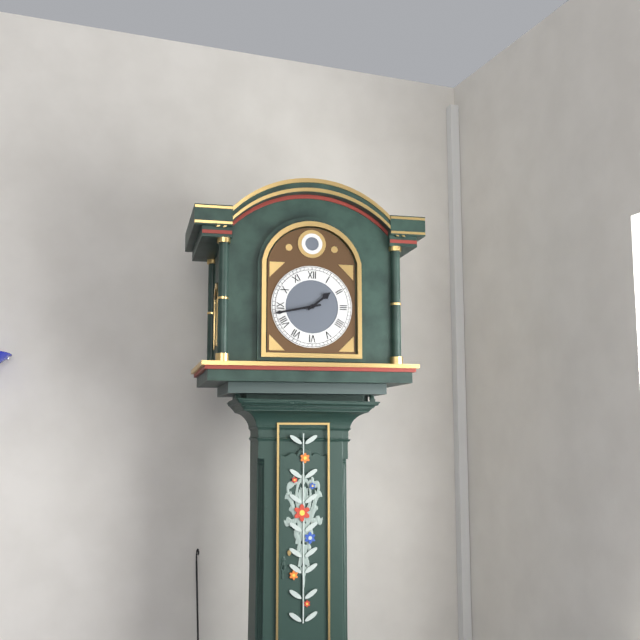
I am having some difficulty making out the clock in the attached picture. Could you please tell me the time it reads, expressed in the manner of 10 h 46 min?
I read 1 h 43 min
